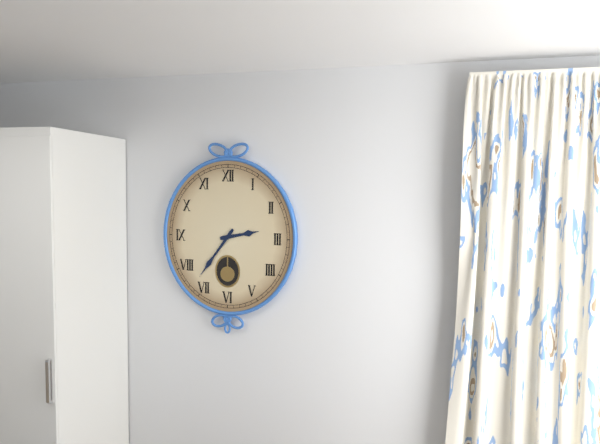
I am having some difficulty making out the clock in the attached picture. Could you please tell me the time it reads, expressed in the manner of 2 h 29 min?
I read 2 h 36 min
